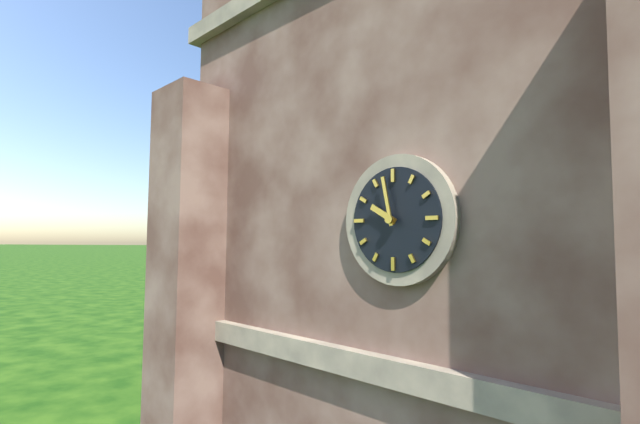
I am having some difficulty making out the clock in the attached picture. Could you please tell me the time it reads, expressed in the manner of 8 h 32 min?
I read 9 h 58 min
